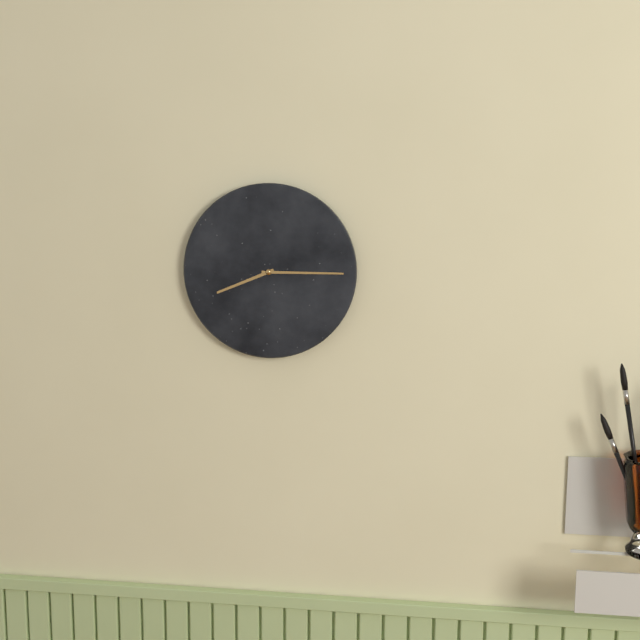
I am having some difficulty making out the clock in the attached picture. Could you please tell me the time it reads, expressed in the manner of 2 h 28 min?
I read 8 h 15 min
